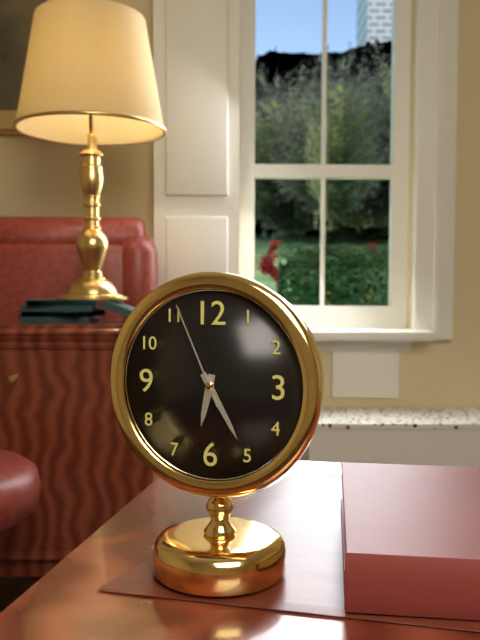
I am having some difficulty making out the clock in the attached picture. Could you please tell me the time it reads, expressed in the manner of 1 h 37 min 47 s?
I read 6 h 25 min 56 s
